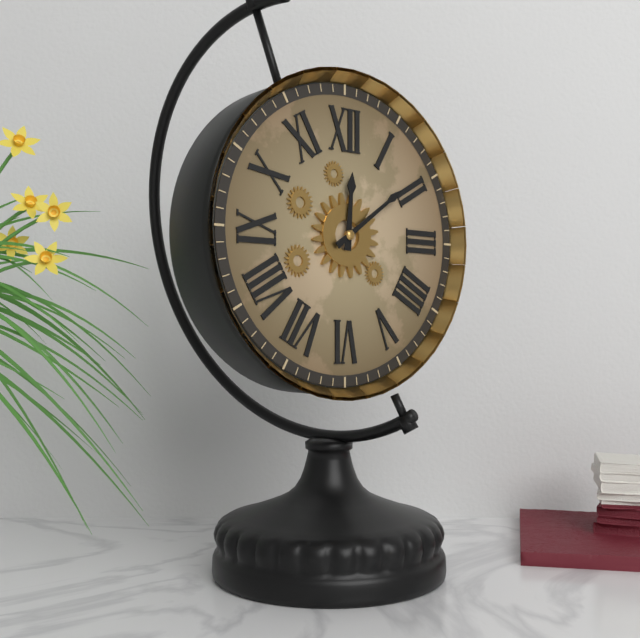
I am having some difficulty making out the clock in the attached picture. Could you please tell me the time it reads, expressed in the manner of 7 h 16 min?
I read 12 h 09 min
